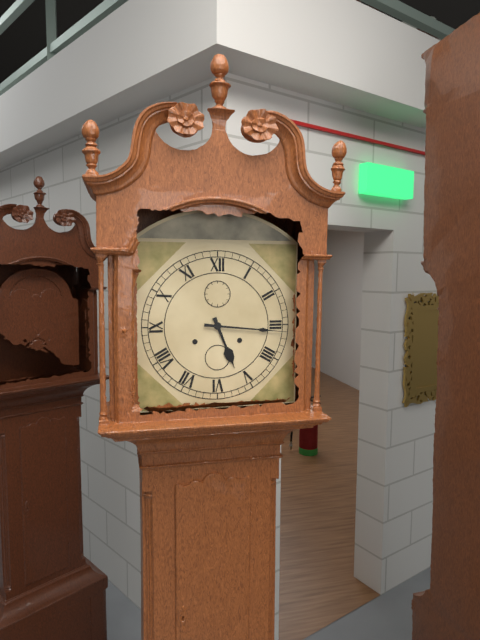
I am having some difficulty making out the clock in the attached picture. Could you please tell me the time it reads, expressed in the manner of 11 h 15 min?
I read 5 h 16 min
